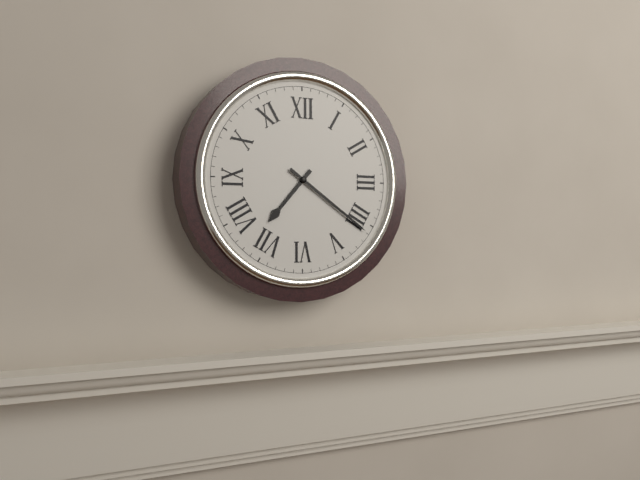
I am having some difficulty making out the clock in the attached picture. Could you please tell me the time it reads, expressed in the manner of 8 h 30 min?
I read 7 h 21 min
